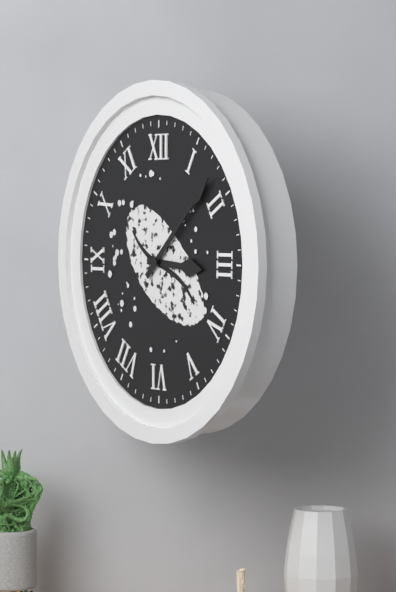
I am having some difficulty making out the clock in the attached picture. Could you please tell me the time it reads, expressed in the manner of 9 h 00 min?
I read 3 h 08 min
